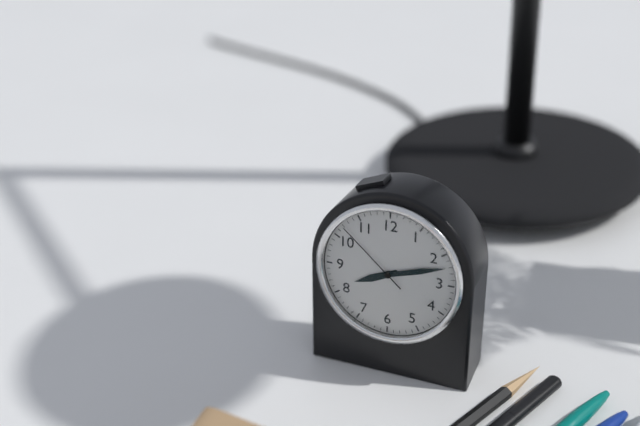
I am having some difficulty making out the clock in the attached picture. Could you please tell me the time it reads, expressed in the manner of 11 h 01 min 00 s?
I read 8 h 12 min 52 s
